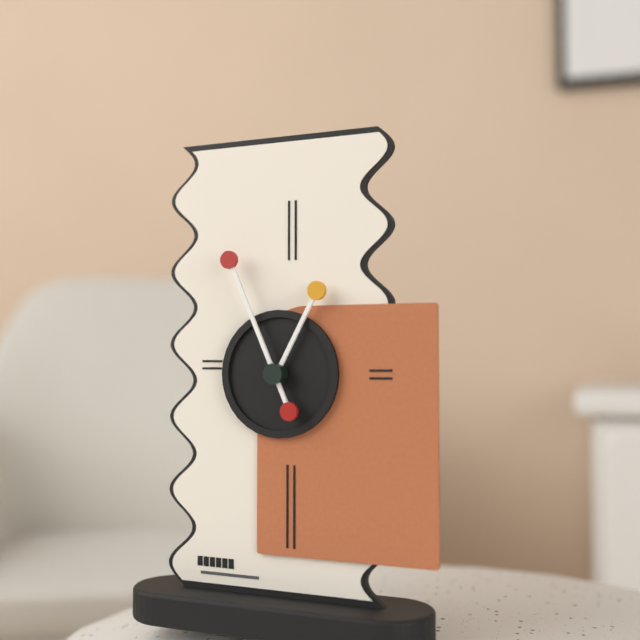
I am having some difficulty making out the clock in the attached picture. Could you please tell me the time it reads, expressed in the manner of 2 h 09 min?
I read 12 h 56 min
